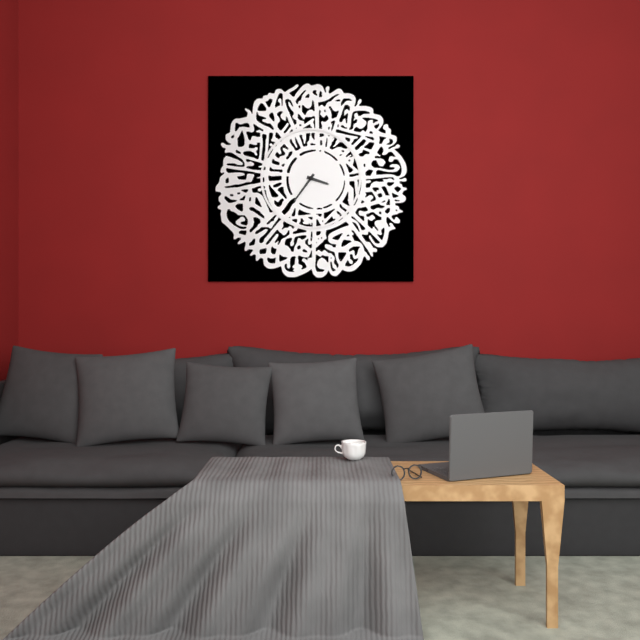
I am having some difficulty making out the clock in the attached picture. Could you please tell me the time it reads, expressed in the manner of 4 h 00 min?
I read 3 h 36 min
